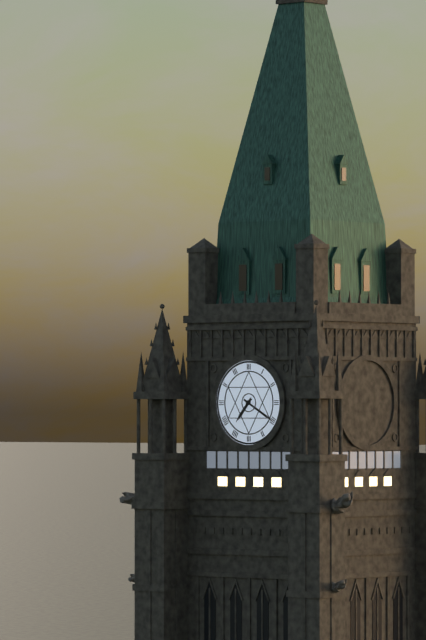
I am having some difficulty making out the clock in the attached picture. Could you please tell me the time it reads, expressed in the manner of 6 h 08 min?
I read 7 h 20 min
